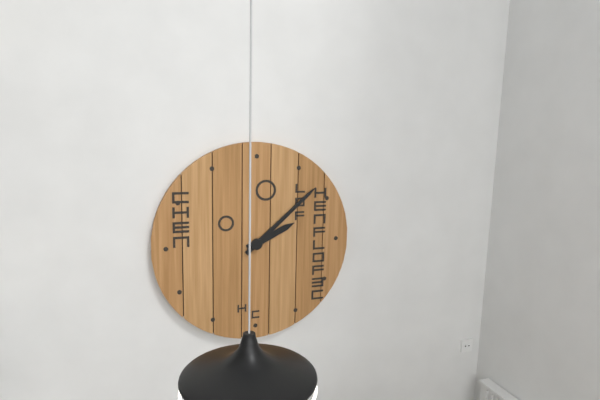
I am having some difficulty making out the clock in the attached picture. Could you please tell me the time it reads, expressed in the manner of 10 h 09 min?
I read 2 h 08 min
